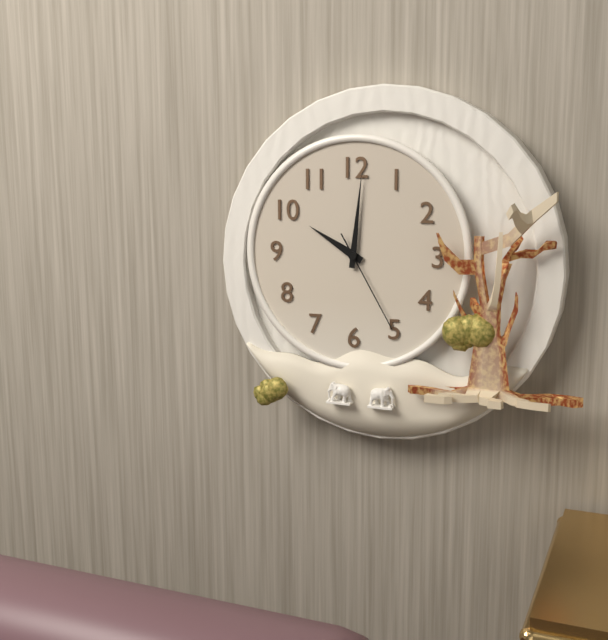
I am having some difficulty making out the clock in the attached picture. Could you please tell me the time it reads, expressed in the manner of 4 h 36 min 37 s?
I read 10 h 01 min 25 s
